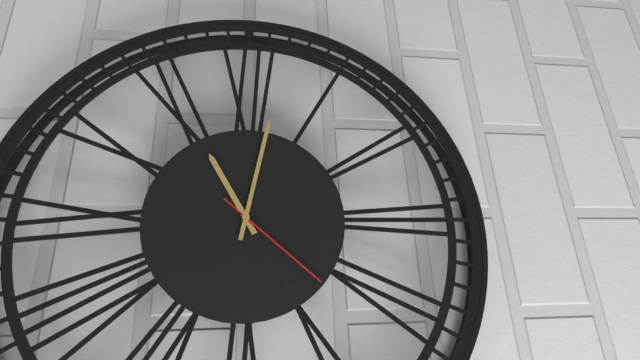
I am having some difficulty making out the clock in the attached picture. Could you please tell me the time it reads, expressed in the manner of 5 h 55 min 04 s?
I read 11 h 02 min 22 s
